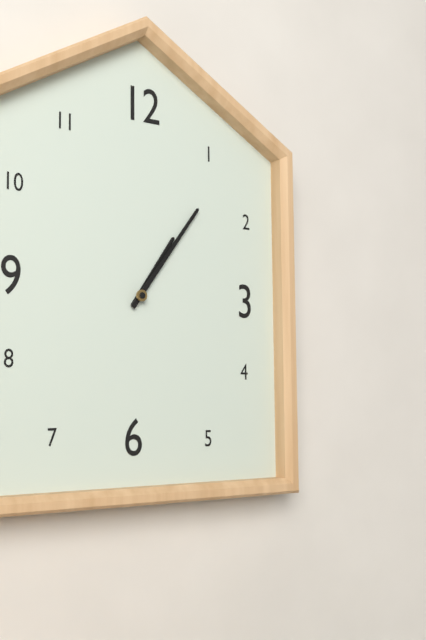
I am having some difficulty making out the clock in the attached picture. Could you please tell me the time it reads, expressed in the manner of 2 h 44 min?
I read 1 h 06 min
